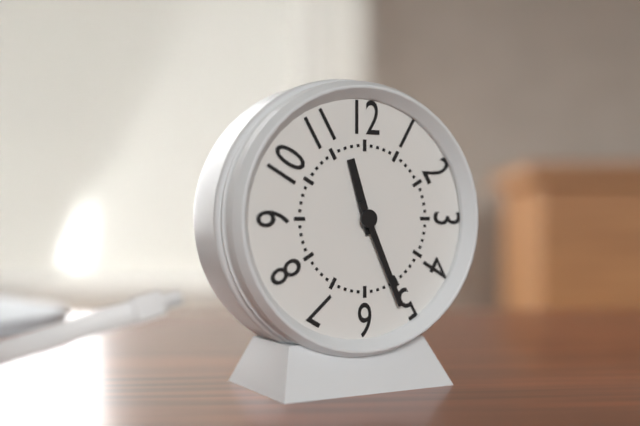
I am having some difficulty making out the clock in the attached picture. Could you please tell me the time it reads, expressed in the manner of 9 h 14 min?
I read 11 h 26 min
